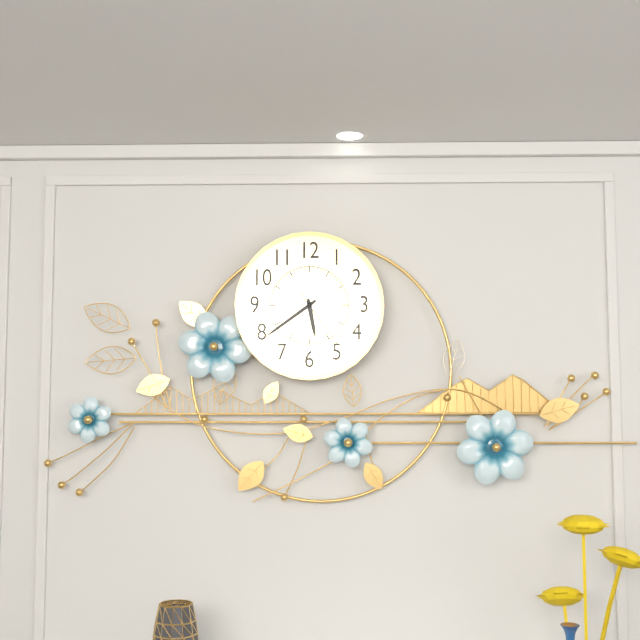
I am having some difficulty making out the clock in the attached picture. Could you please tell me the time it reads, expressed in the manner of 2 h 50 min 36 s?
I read 5 h 39 min 24 s
